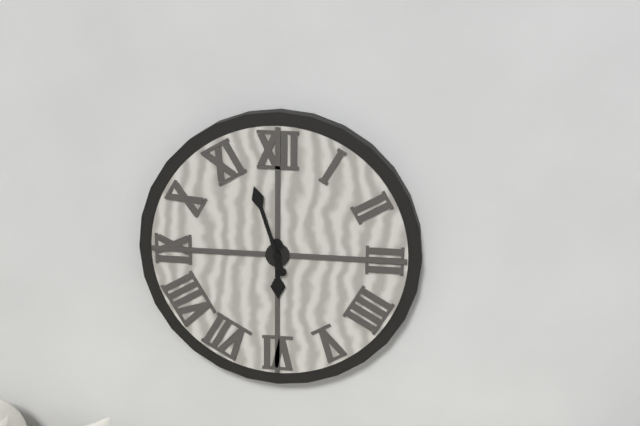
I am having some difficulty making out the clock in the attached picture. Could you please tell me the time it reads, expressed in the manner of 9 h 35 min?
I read 5 h 57 min
